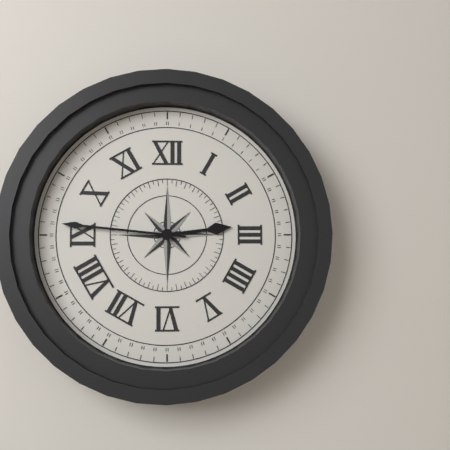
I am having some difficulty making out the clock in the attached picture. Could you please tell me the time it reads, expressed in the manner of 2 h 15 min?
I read 2 h 46 min
